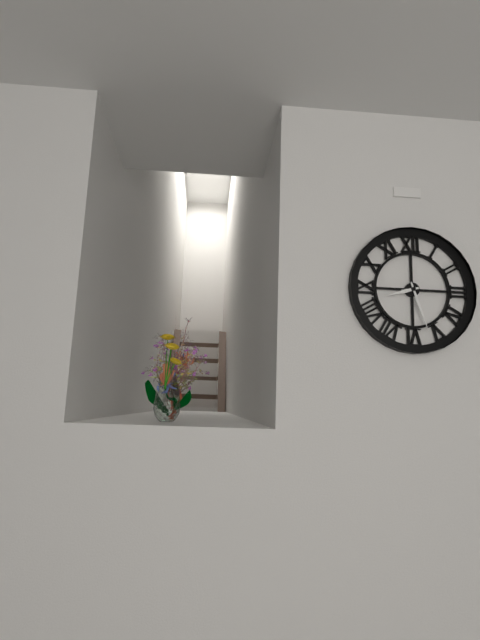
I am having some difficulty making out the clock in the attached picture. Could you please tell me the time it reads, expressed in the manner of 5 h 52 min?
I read 8 h 27 min
